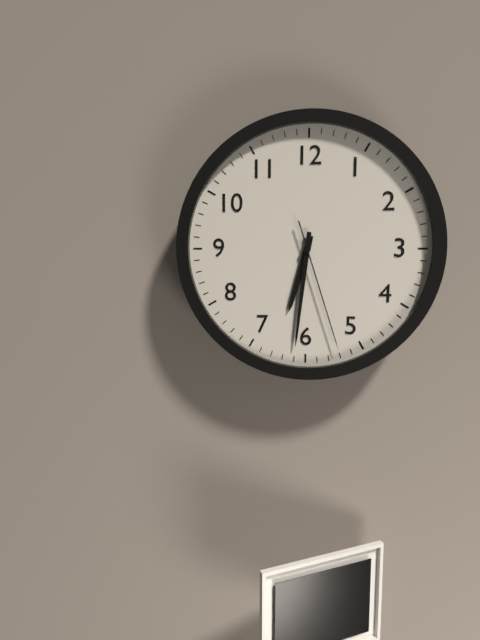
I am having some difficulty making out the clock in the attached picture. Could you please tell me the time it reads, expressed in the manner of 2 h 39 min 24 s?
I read 6 h 31 min 27 s
